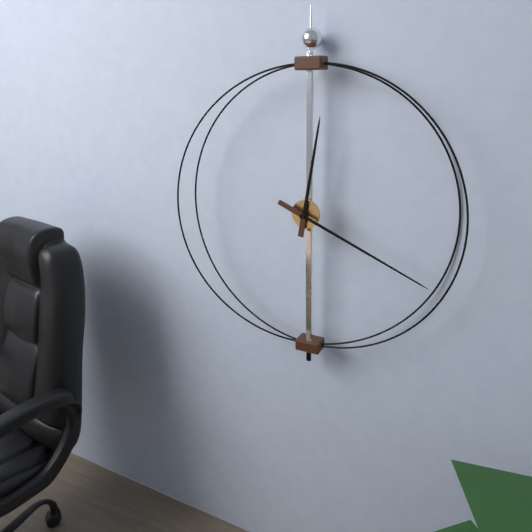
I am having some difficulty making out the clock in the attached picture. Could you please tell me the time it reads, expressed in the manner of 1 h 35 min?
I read 12 h 19 min
